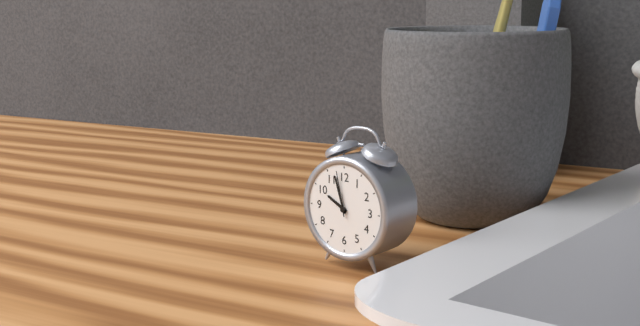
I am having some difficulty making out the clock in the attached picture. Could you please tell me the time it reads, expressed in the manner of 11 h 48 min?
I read 9 h 57 min
